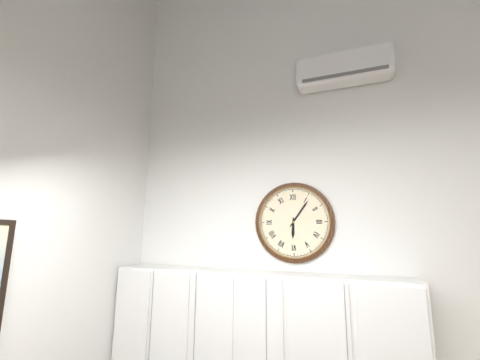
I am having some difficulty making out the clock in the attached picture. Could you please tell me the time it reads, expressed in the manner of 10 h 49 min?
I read 6 h 06 min
